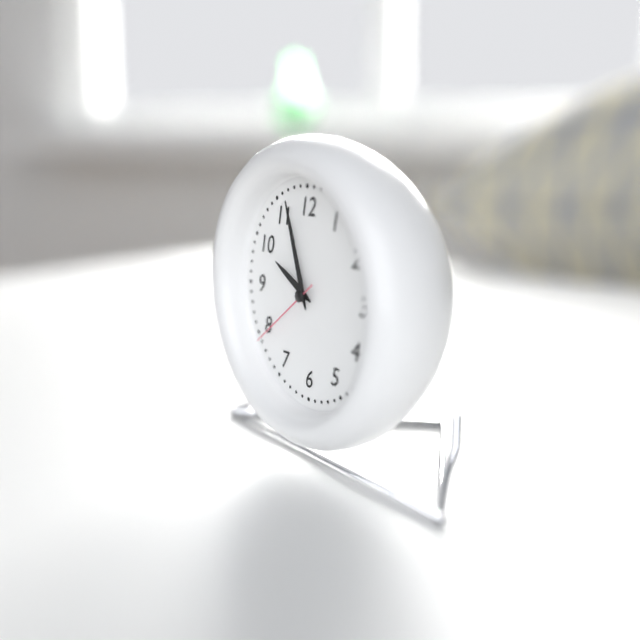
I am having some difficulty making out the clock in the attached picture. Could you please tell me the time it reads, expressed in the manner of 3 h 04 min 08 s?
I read 9 h 57 min 39 s
